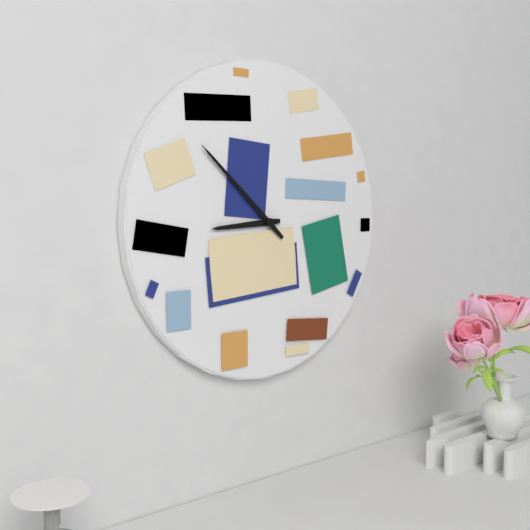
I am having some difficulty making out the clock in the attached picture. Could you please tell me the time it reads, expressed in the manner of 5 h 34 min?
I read 8 h 52 min
